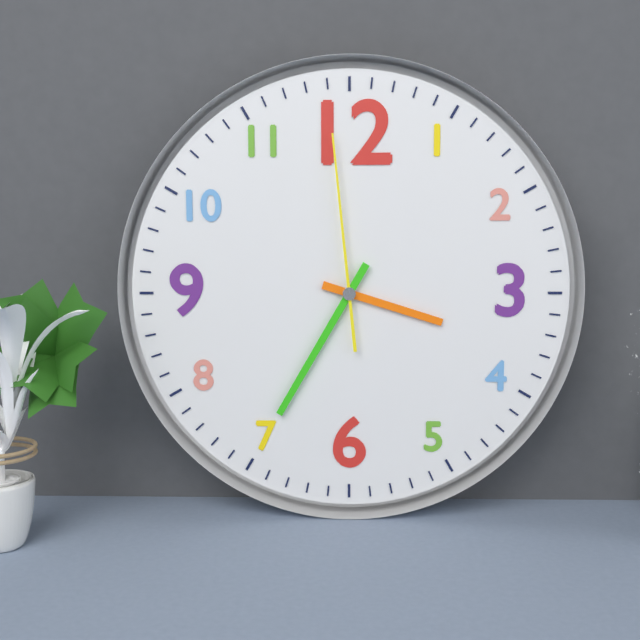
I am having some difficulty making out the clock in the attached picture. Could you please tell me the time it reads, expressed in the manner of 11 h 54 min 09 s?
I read 3 h 35 min 59 s
